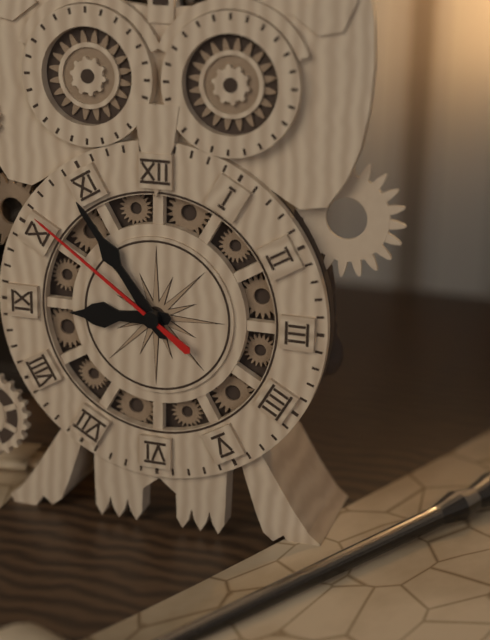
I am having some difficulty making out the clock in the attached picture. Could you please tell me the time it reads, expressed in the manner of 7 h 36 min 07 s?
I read 8 h 54 min 51 s
